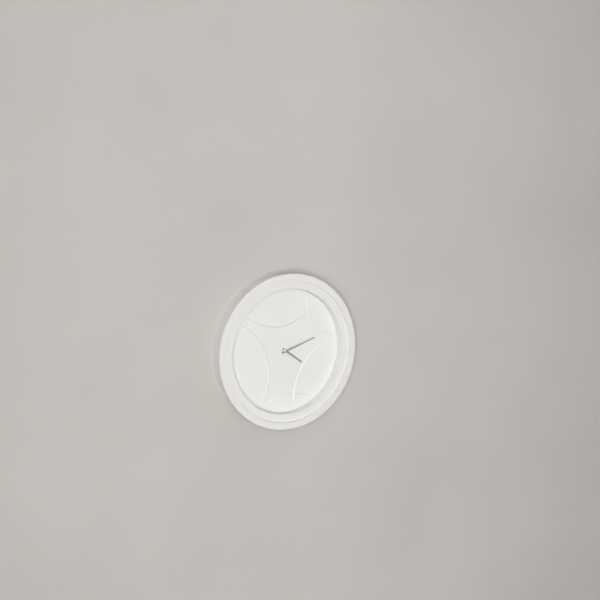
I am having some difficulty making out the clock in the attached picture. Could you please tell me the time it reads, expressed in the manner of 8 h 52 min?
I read 4 h 12 min
